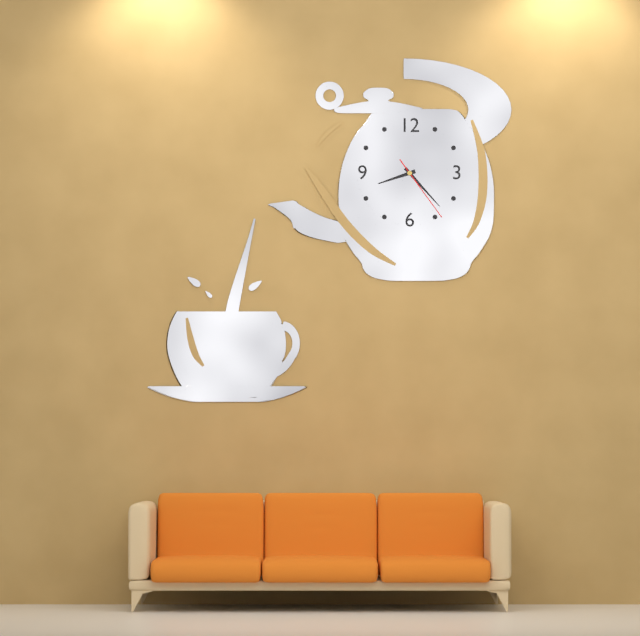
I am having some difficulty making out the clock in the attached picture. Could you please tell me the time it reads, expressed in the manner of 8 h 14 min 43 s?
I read 8 h 23 min 24 s
